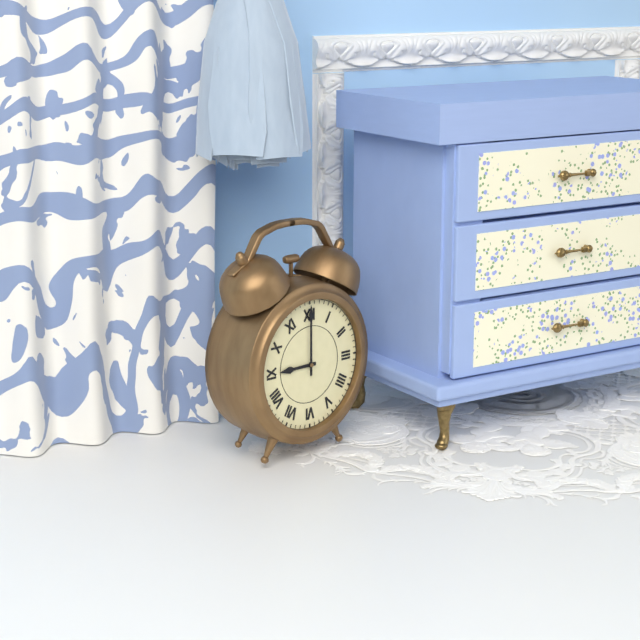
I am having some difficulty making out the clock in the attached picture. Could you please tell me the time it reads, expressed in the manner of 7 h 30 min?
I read 9 h 00 min
